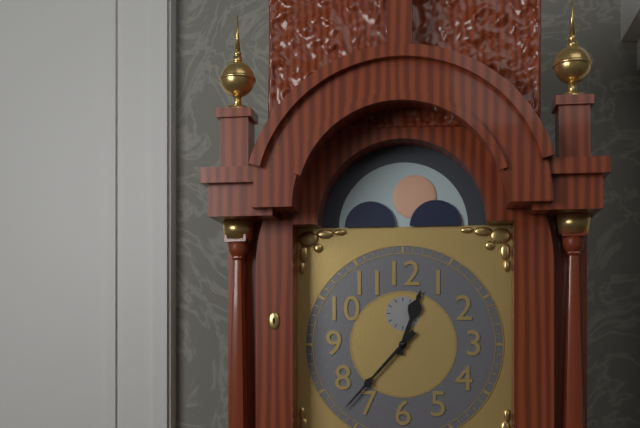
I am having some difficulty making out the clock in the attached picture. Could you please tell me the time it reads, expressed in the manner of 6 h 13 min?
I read 12 h 37 min
